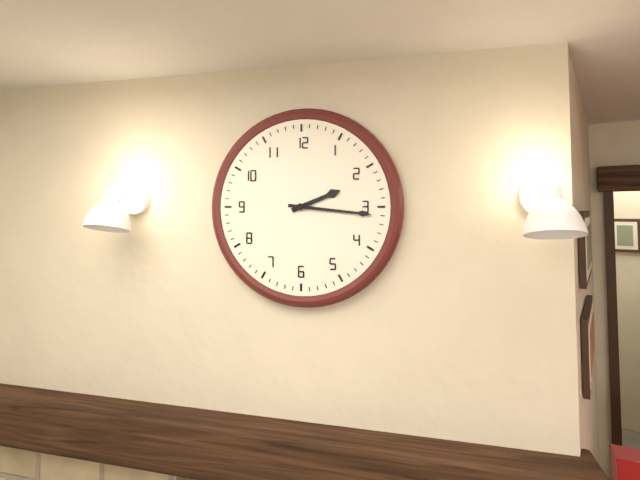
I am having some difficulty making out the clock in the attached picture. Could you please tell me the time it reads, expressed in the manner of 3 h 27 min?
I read 2 h 16 min
